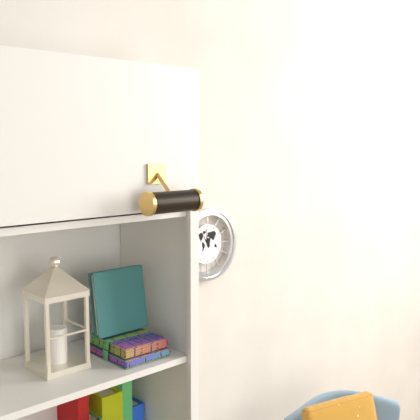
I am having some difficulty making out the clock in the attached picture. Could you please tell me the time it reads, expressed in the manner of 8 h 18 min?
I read 10 h 59 min
